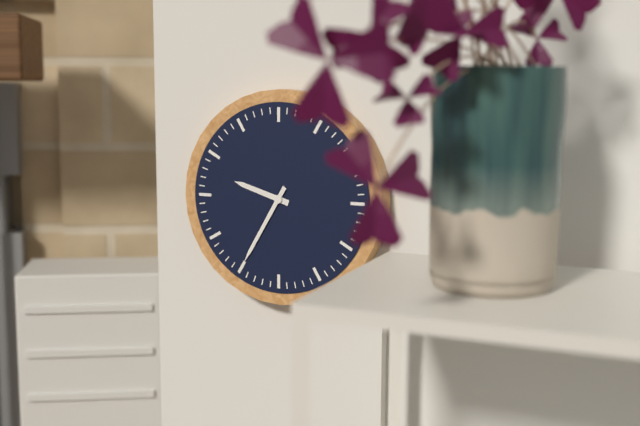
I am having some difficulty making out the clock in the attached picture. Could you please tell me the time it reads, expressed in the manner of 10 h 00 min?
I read 9 h 35 min
